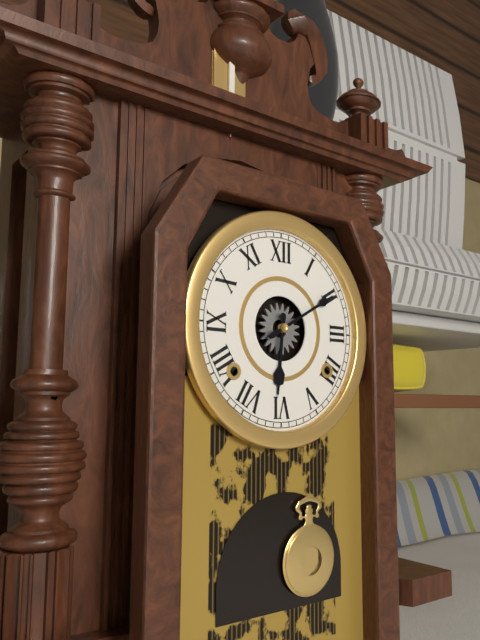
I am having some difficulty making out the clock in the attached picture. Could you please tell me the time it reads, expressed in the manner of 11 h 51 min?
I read 6 h 10 min
